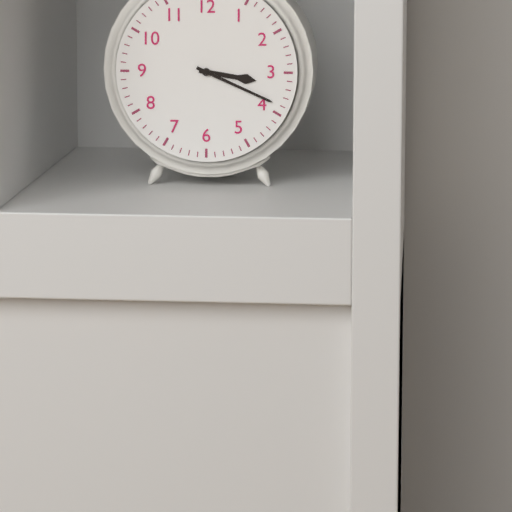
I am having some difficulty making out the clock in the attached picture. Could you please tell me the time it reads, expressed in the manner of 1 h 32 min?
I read 3 h 19 min
